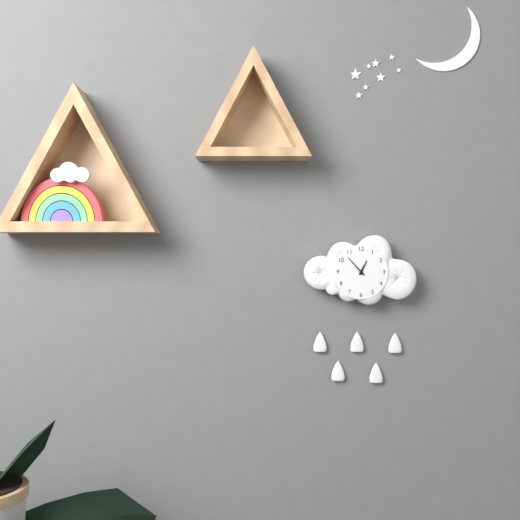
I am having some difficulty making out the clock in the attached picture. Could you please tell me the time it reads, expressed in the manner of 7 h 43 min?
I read 12 h 53 min
